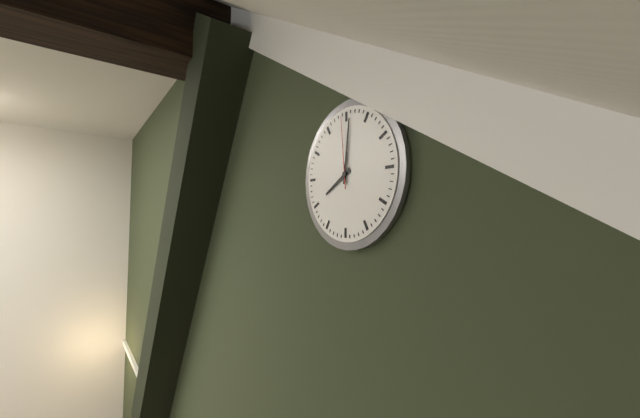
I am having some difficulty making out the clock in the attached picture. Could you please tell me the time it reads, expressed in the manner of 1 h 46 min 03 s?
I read 8 h 01 min 59 s
